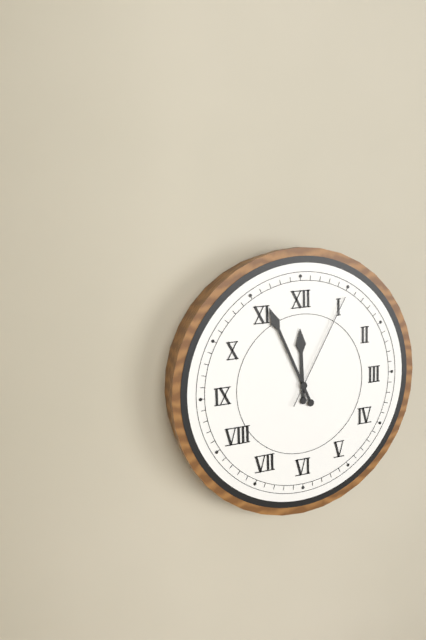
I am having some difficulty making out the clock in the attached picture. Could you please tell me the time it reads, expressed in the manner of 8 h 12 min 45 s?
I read 11 h 56 min 05 s
